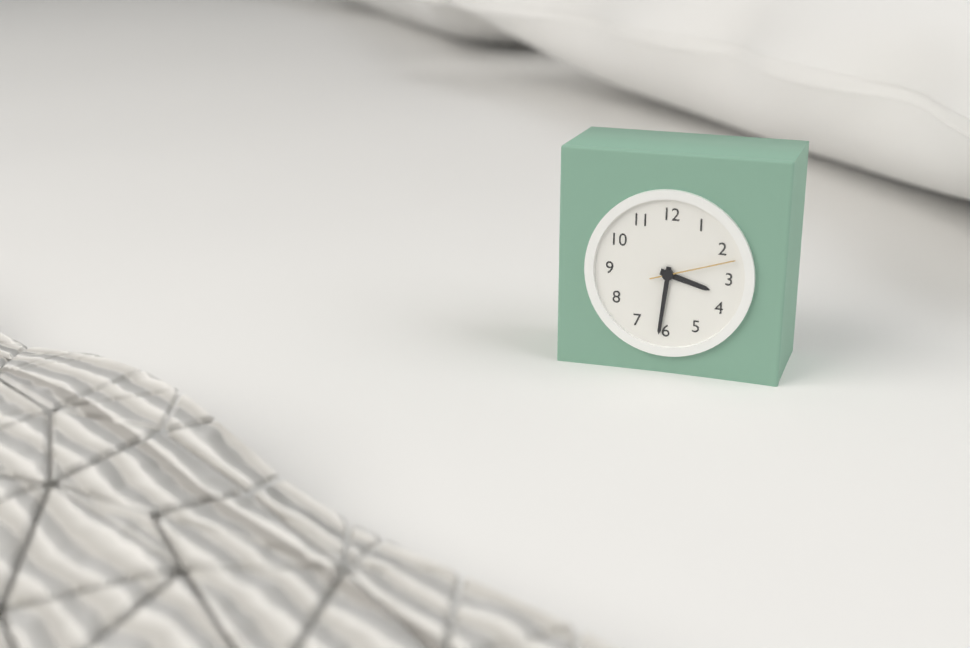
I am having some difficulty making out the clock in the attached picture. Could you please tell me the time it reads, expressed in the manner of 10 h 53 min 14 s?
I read 3 h 31 min 12 s
